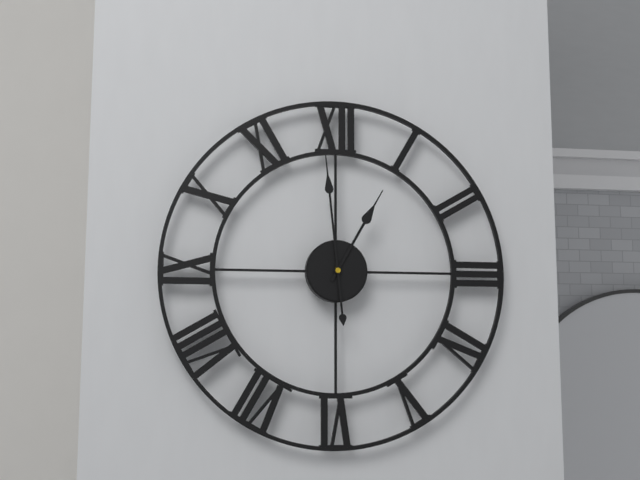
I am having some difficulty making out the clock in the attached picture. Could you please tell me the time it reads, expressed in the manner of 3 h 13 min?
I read 12 h 59 min
